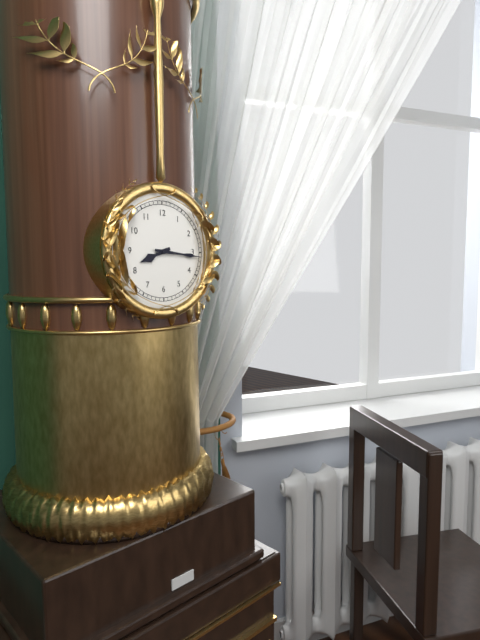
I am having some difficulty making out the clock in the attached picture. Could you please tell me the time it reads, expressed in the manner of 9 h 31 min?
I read 8 h 16 min
